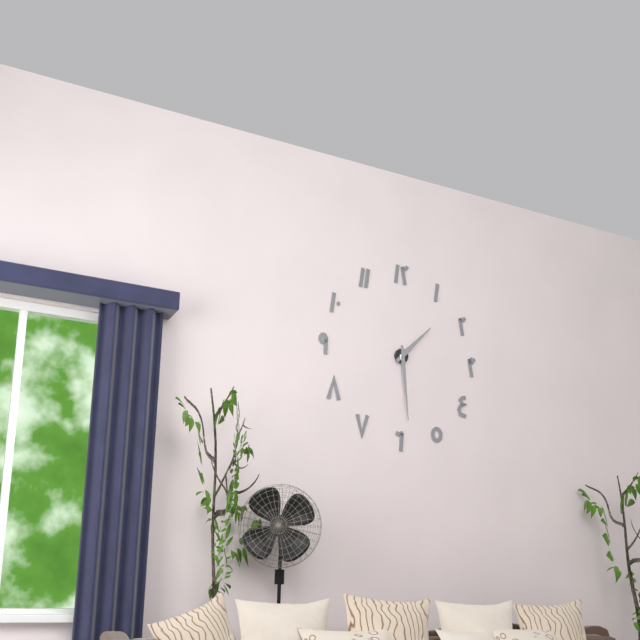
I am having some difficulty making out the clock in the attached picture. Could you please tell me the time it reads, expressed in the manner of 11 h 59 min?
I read 1 h 29 min
